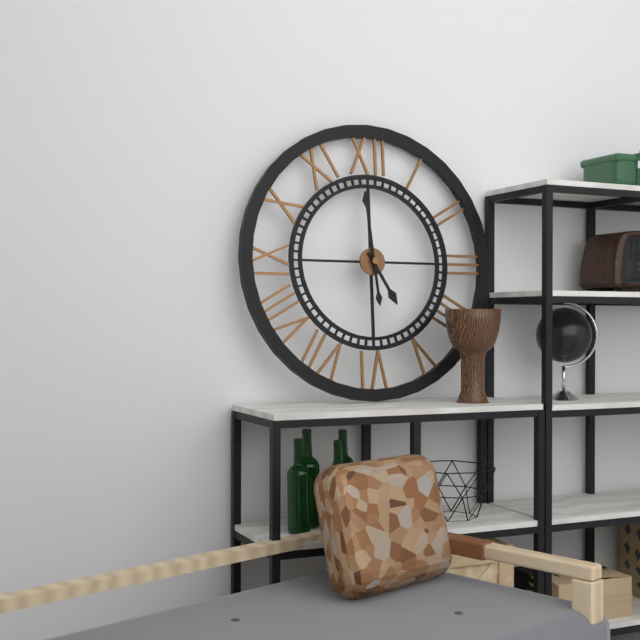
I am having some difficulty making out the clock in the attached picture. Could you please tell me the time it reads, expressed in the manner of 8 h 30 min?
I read 4 h 59 min
